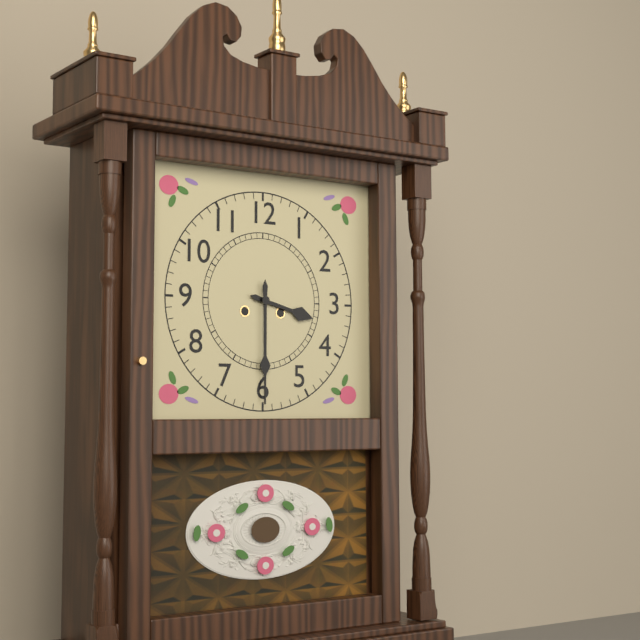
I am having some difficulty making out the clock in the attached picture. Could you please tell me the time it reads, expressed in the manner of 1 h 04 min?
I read 3 h 30 min
